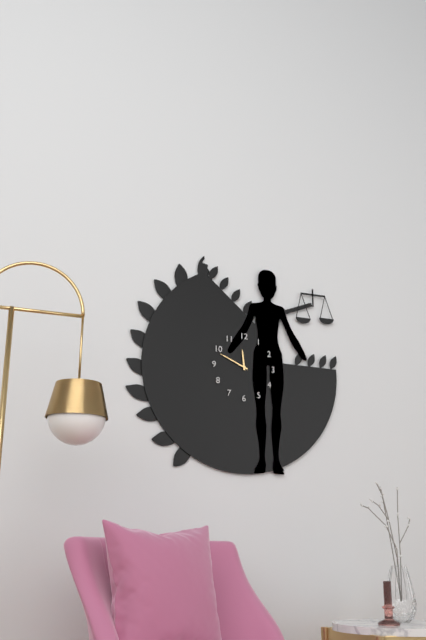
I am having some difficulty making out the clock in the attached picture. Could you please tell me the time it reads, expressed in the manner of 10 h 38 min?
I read 11 h 49 min
